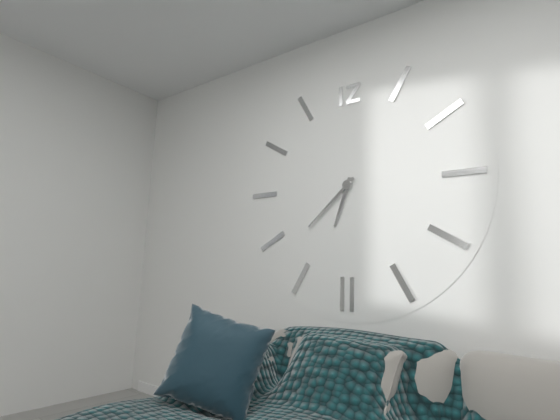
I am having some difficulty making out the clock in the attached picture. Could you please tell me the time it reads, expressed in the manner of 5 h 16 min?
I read 6 h 38 min
